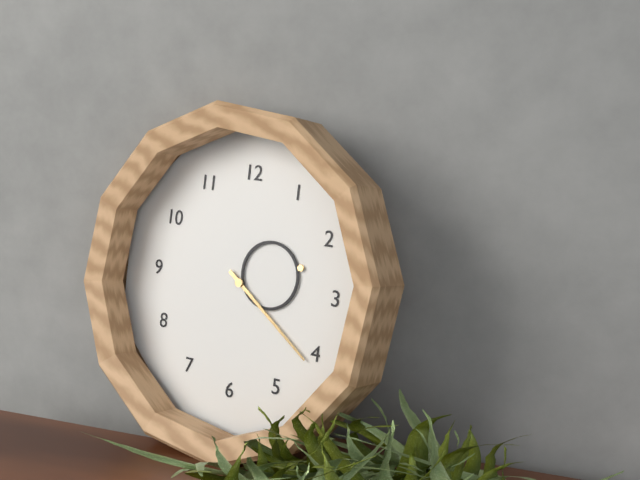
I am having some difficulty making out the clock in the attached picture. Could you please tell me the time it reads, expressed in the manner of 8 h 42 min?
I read 2 h 21 min
